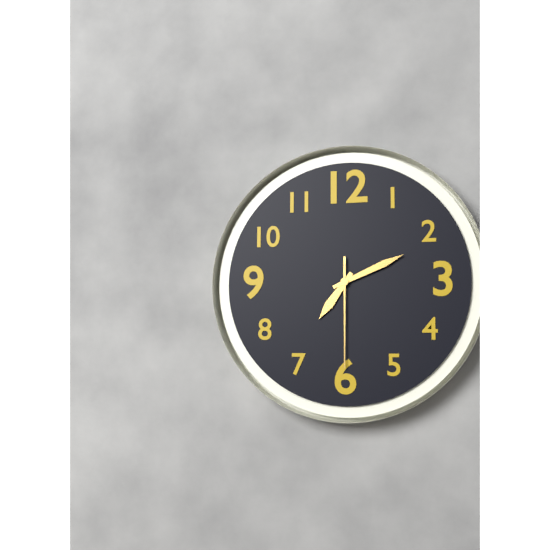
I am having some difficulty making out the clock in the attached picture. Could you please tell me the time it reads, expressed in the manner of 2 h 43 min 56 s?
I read 7 h 11 min 30 s
